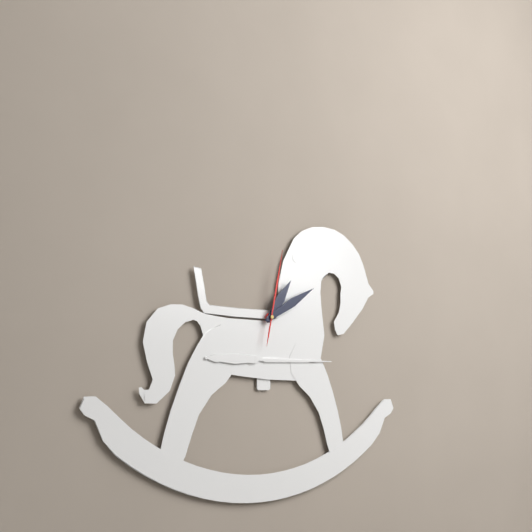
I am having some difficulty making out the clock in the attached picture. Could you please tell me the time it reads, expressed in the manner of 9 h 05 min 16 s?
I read 1 h 10 min 02 s
